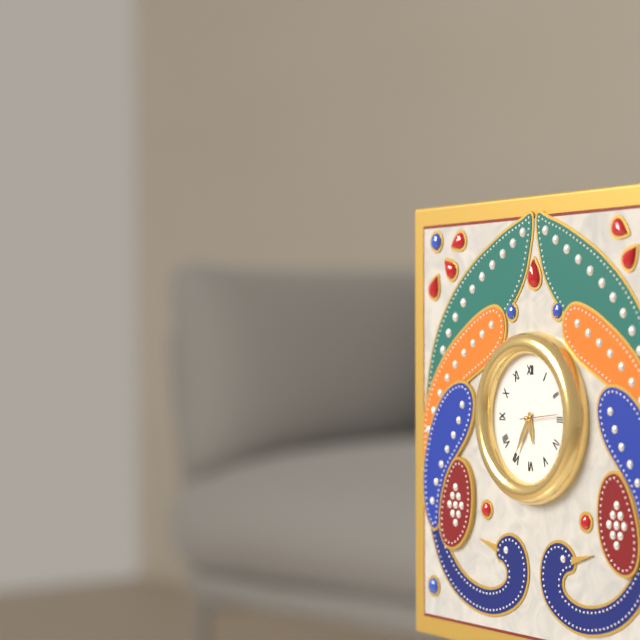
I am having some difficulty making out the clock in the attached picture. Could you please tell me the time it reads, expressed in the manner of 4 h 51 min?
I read 5 h 35 min
